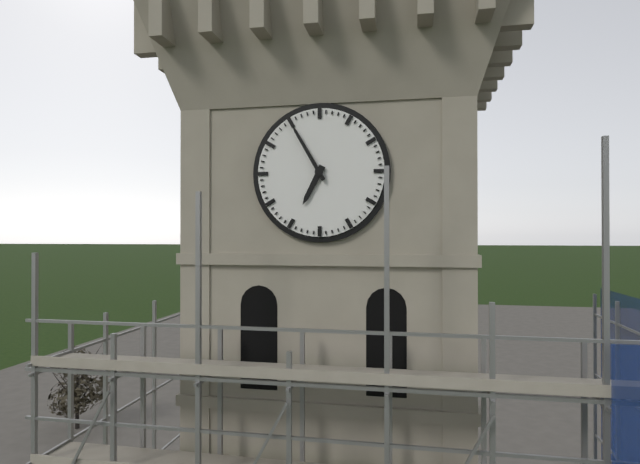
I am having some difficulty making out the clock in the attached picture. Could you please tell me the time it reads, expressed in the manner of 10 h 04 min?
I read 6 h 55 min
